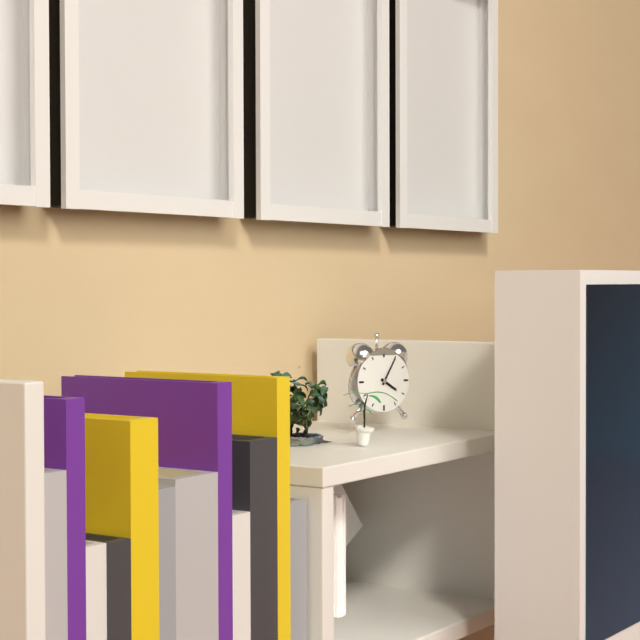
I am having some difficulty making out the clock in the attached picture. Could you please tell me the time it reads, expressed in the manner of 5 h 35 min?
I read 4 h 05 min
